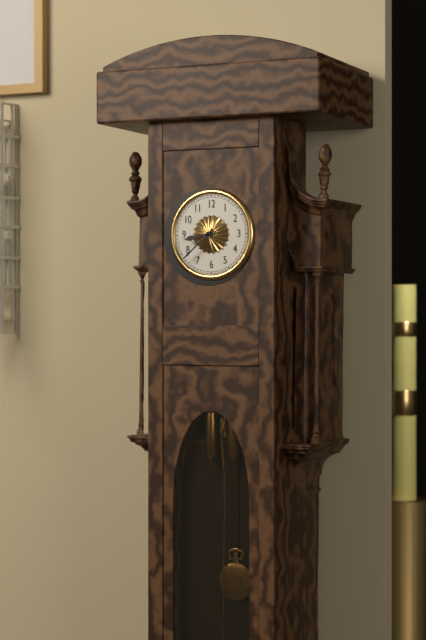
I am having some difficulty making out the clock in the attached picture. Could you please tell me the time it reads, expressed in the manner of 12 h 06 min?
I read 8 h 38 min
